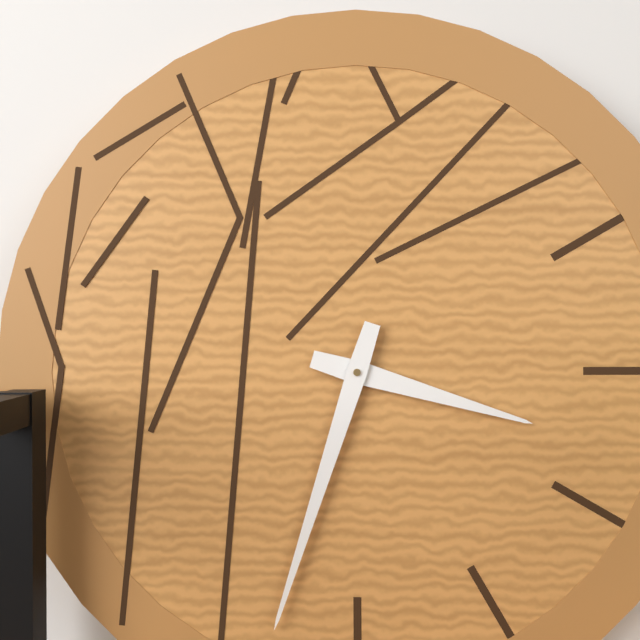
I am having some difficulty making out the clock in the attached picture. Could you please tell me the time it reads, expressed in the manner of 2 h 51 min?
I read 3 h 33 min
